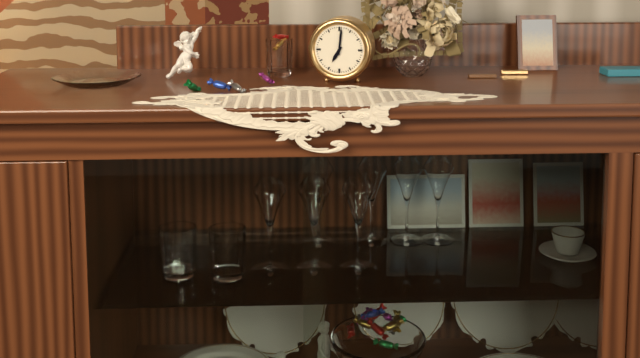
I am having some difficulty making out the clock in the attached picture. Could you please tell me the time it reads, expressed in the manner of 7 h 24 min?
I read 7 h 01 min
